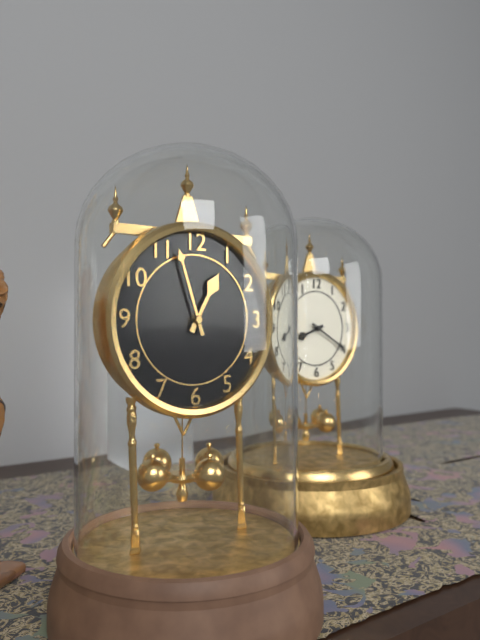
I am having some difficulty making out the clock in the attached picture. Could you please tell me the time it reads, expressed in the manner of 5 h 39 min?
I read 12 h 57 min
